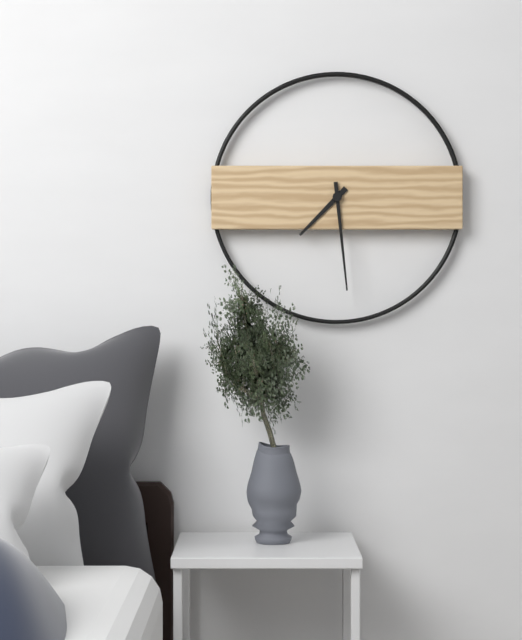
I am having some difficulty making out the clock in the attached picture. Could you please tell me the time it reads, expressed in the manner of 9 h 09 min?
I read 7 h 29 min
